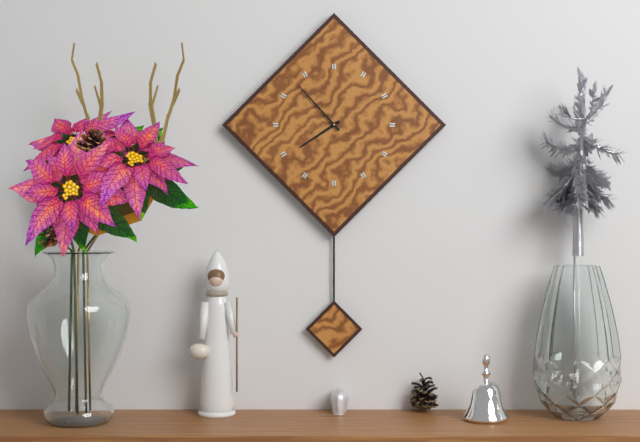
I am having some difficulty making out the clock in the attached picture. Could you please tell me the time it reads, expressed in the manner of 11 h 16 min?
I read 7 h 53 min
